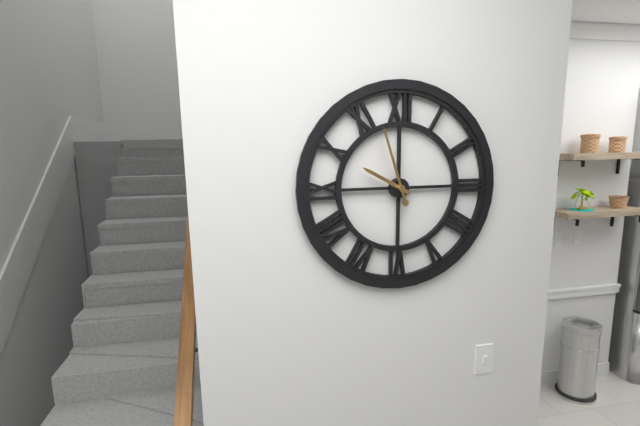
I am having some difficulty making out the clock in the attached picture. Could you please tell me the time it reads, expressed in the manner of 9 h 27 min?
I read 9 h 57 min
